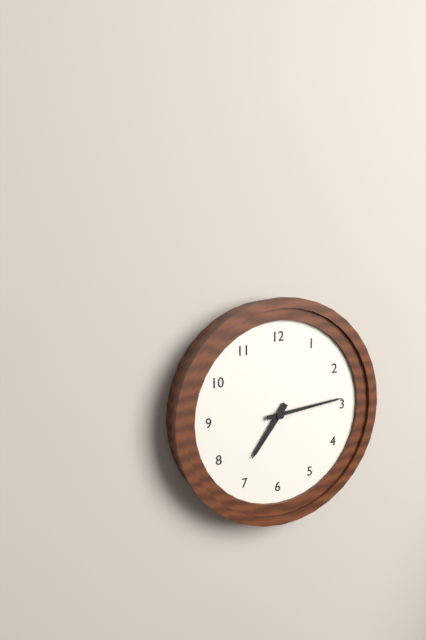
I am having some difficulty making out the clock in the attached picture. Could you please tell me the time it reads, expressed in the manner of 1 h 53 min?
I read 7 h 14 min
